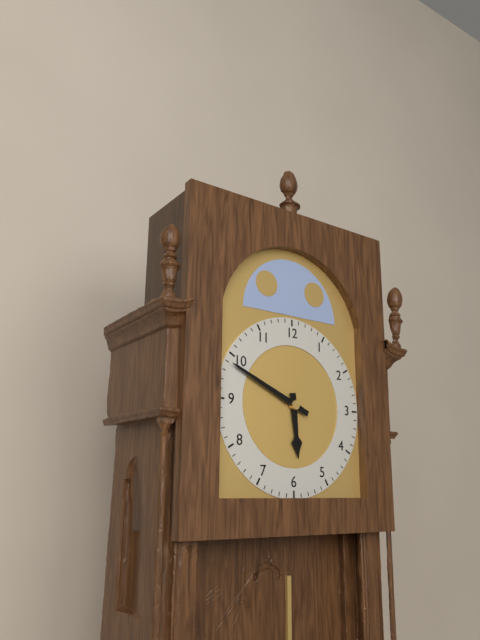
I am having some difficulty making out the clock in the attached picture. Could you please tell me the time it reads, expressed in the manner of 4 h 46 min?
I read 5 h 49 min
